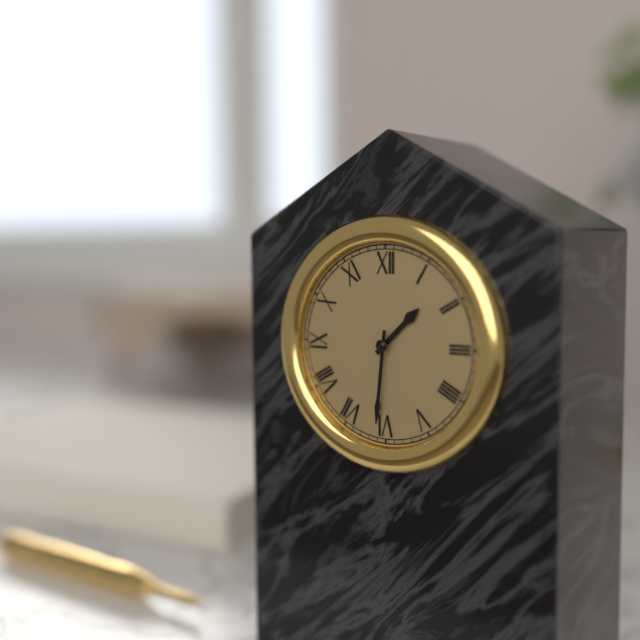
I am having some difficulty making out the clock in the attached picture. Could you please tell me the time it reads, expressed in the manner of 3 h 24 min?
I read 1 h 31 min
